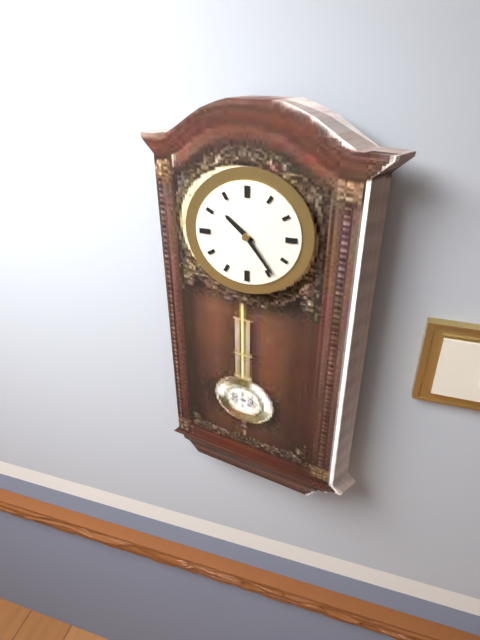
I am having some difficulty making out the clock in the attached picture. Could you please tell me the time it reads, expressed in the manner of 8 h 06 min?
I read 10 h 24 min
